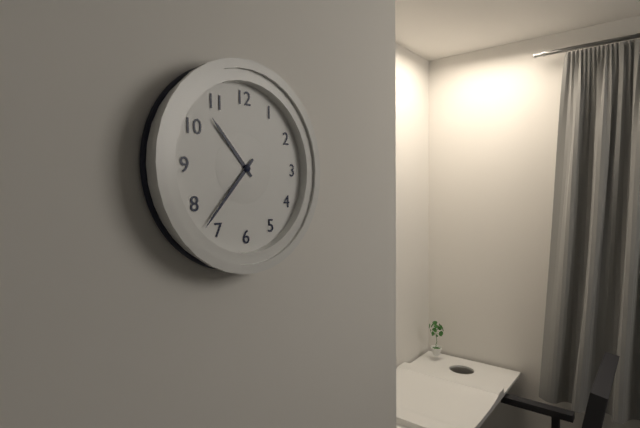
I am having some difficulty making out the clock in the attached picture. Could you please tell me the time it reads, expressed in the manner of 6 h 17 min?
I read 10 h 37 min
